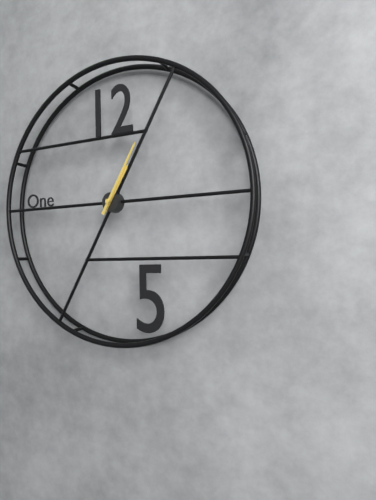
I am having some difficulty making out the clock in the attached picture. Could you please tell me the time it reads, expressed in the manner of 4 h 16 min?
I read 1 h 05 min
